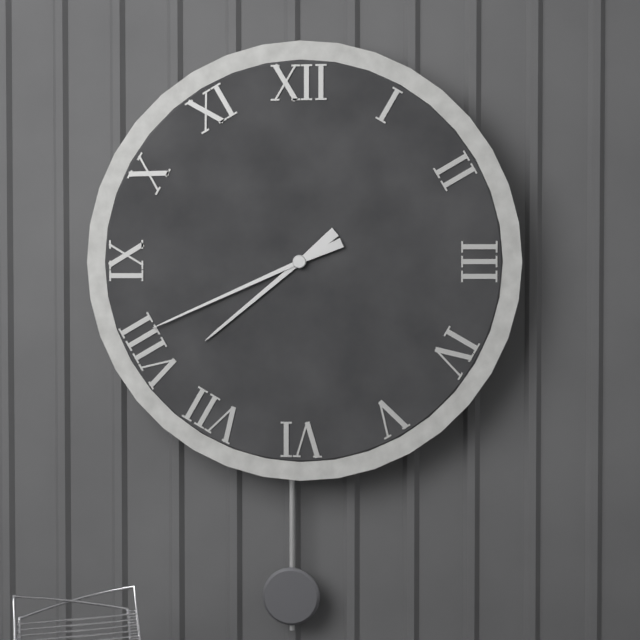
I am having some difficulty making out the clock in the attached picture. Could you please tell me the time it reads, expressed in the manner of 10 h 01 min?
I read 7 h 41 min
